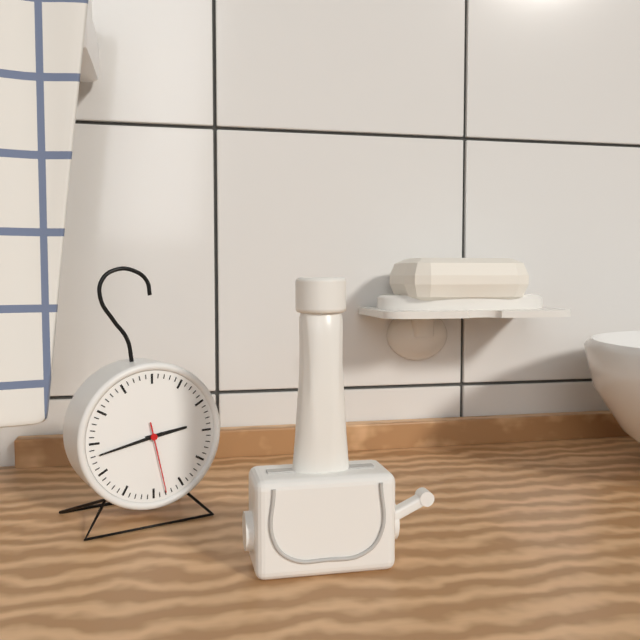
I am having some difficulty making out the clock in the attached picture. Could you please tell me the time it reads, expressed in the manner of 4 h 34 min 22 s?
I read 2 h 43 min 28 s
